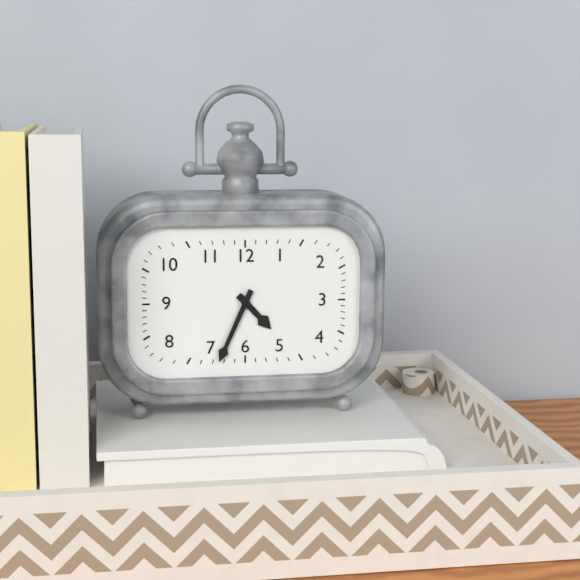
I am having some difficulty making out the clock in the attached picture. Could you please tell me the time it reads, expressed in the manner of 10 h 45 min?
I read 4 h 34 min
